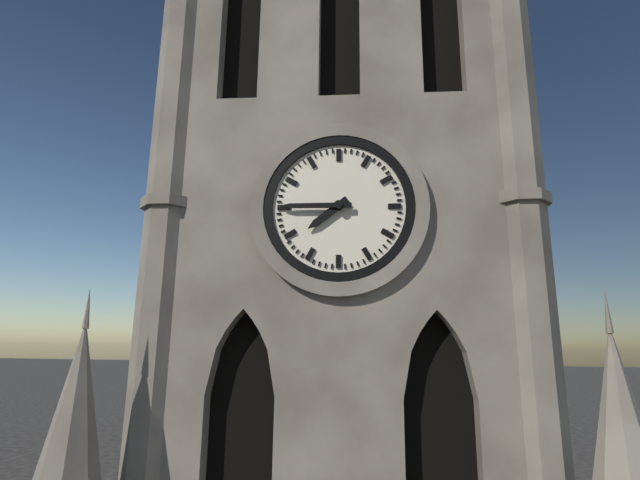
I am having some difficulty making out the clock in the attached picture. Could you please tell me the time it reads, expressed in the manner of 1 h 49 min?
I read 7 h 45 min
